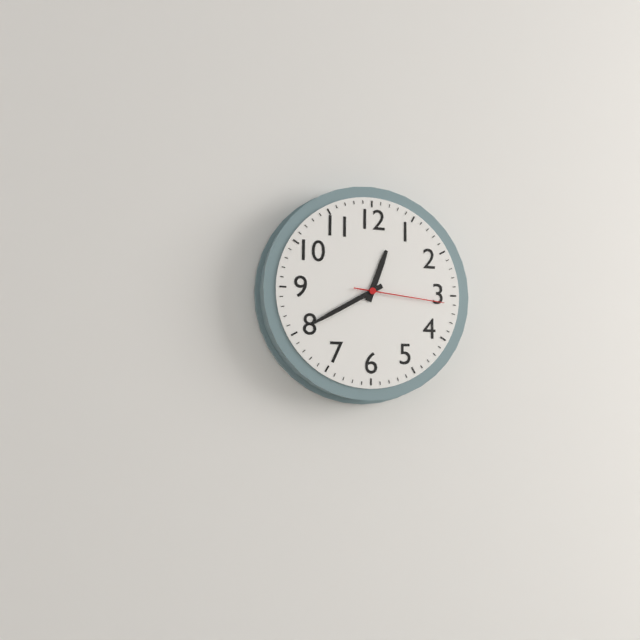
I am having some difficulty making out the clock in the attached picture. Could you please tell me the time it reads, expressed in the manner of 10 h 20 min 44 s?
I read 12 h 40 min 16 s
